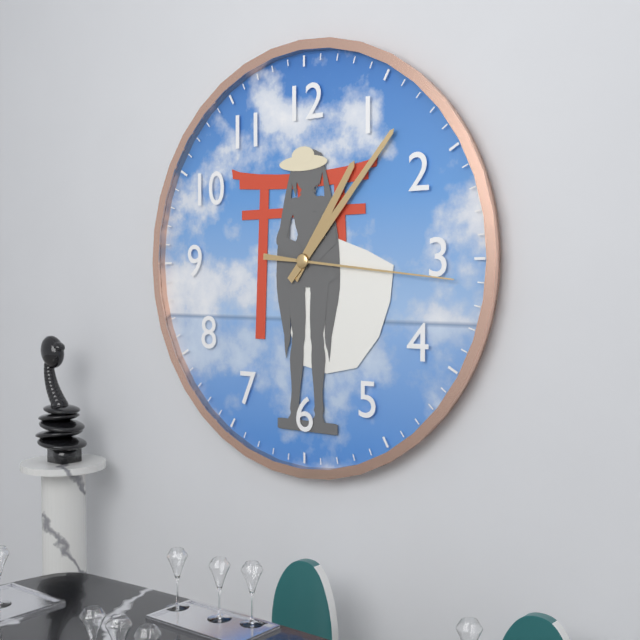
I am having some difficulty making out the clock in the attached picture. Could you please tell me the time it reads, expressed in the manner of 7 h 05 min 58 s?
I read 1 h 07 min 16 s
